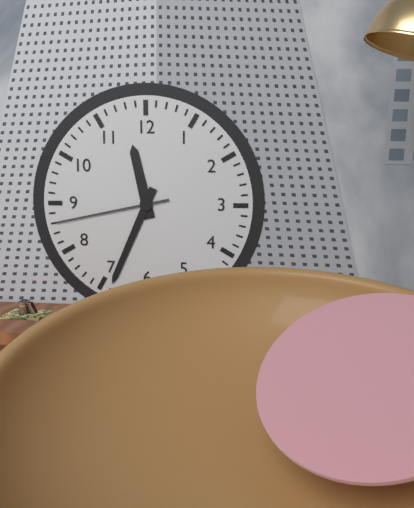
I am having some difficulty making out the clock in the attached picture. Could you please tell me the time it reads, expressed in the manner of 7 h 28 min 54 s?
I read 11 h 34 min 43 s
